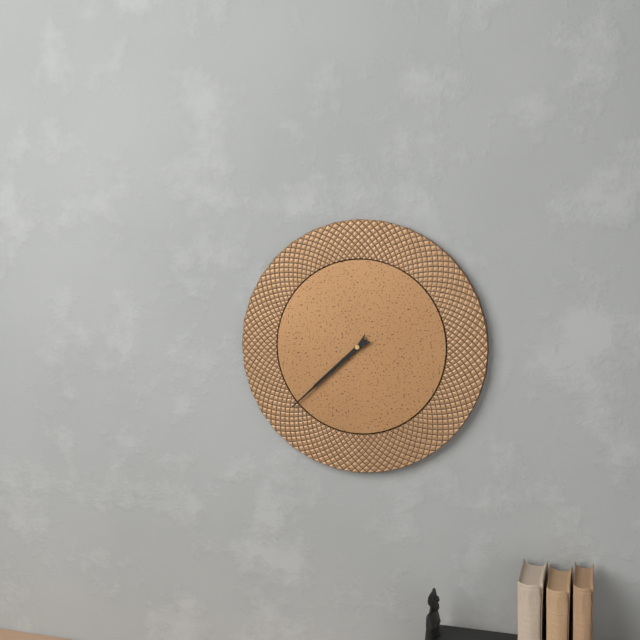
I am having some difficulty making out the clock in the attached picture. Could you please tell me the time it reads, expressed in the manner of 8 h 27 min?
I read 7 h 38 min
